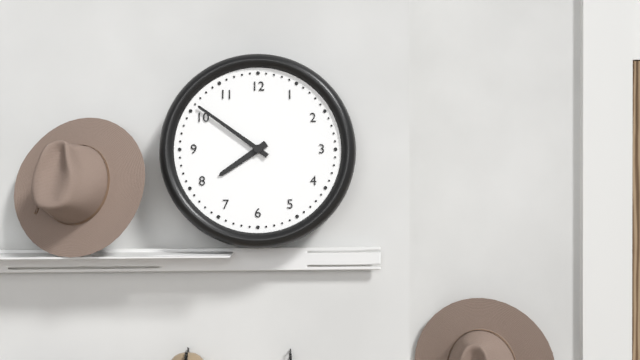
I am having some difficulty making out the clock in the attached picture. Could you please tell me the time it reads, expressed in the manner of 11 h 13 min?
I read 7 h 51 min
